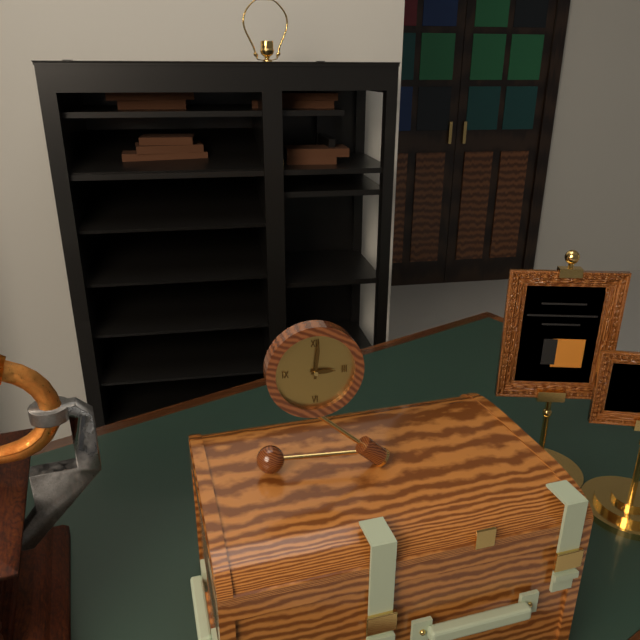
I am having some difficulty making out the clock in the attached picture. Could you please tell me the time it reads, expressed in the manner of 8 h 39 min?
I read 3 h 01 min
